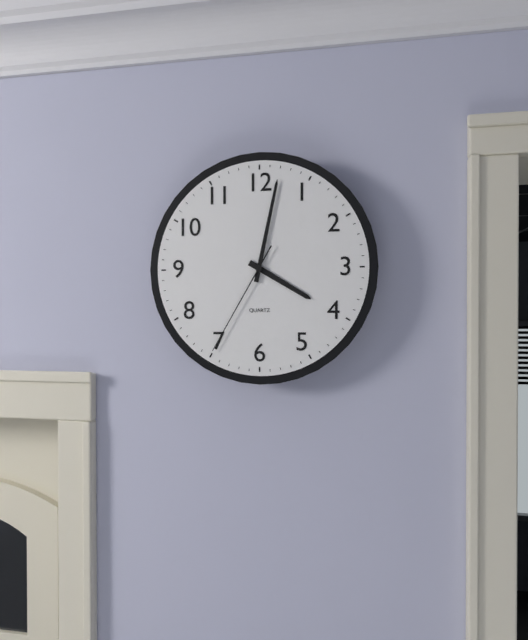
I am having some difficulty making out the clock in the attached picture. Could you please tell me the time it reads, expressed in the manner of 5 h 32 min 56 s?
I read 4 h 02 min 35 s
